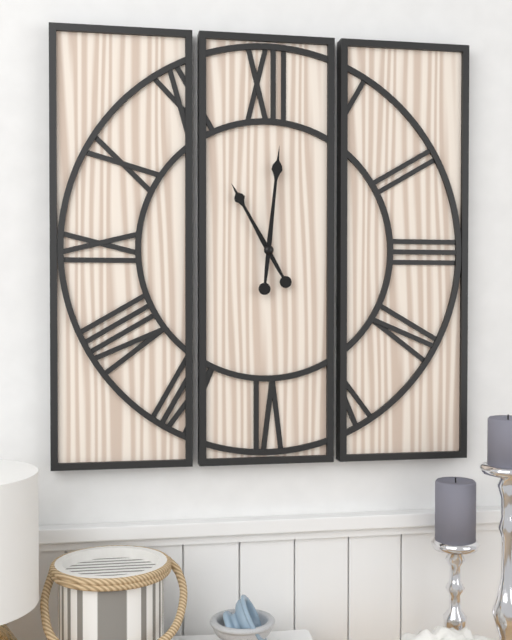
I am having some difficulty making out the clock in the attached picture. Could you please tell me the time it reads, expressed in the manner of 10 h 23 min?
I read 11 h 01 min
